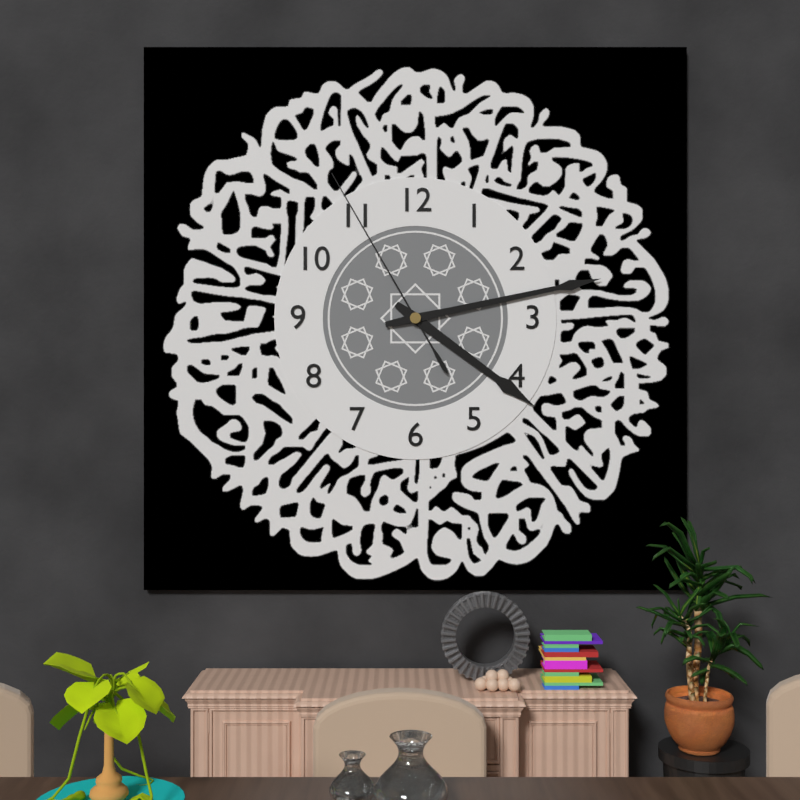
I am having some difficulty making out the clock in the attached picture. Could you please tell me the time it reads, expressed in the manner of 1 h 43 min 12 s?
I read 4 h 13 min 55 s
